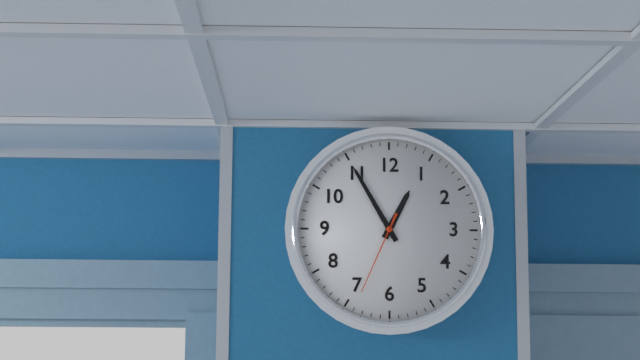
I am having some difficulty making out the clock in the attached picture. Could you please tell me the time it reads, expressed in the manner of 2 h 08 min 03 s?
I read 12 h 55 min 34 s
